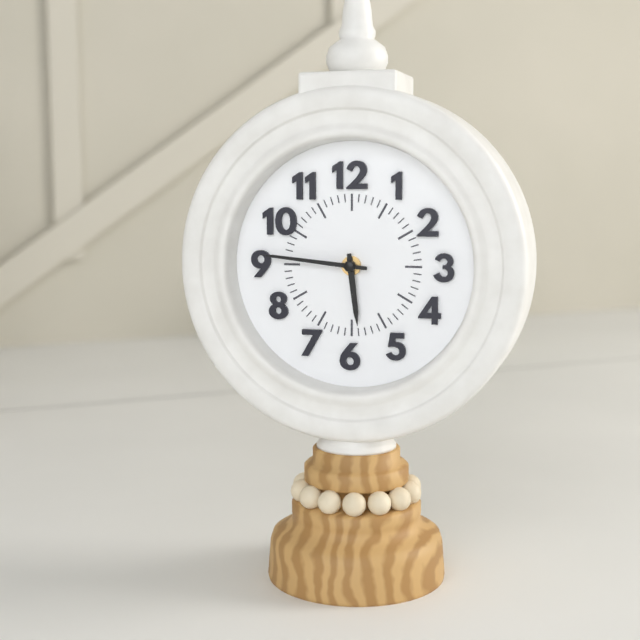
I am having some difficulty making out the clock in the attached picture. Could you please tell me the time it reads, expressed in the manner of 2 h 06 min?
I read 5 h 46 min
